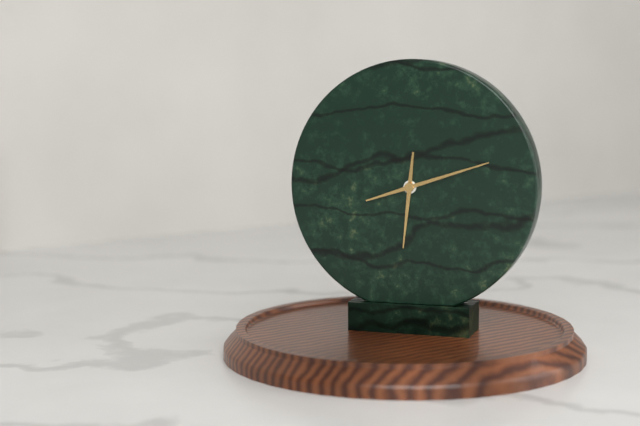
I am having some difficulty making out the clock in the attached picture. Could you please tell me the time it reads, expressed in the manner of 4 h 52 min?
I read 6 h 12 min
